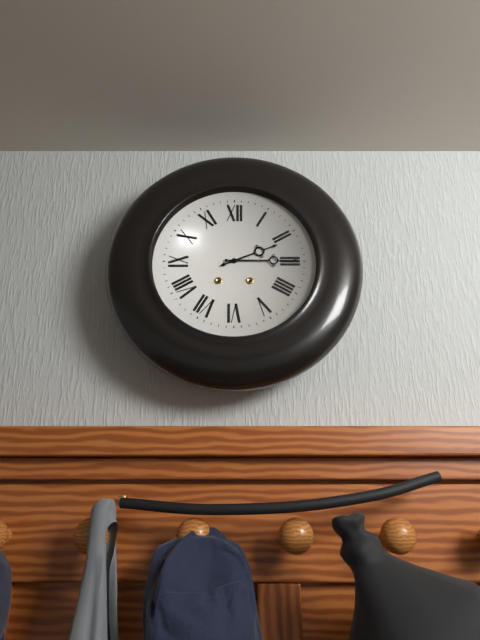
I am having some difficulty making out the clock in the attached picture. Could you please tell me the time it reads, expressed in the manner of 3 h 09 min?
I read 2 h 15 min
